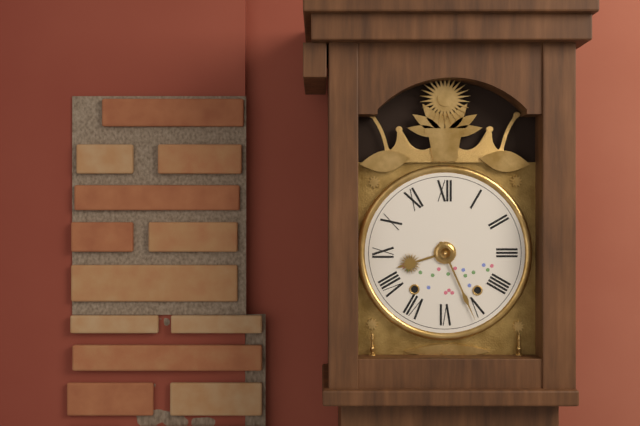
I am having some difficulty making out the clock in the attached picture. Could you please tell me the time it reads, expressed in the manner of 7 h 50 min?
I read 8 h 26 min
